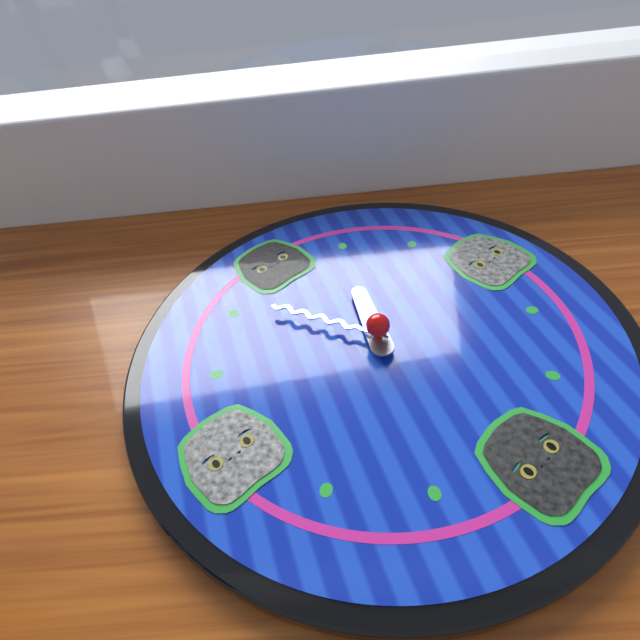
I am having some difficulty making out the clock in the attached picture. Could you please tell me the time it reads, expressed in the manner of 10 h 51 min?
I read 12 h 56 min
